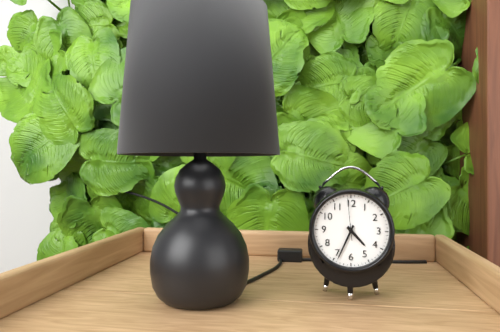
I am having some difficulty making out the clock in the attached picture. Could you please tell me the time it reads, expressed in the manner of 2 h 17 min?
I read 4 h 34 min
